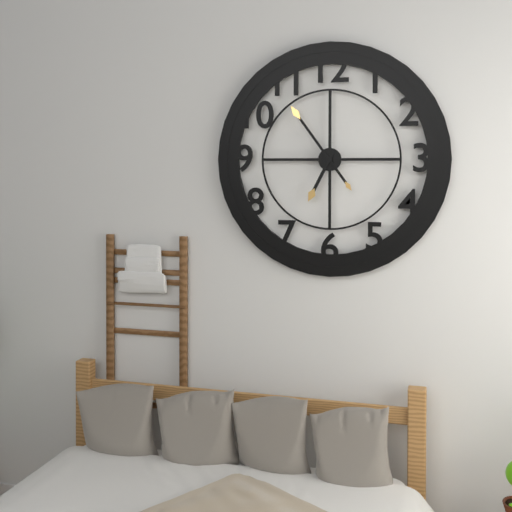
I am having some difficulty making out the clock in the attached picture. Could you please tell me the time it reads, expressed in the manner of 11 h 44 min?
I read 6 h 54 min
